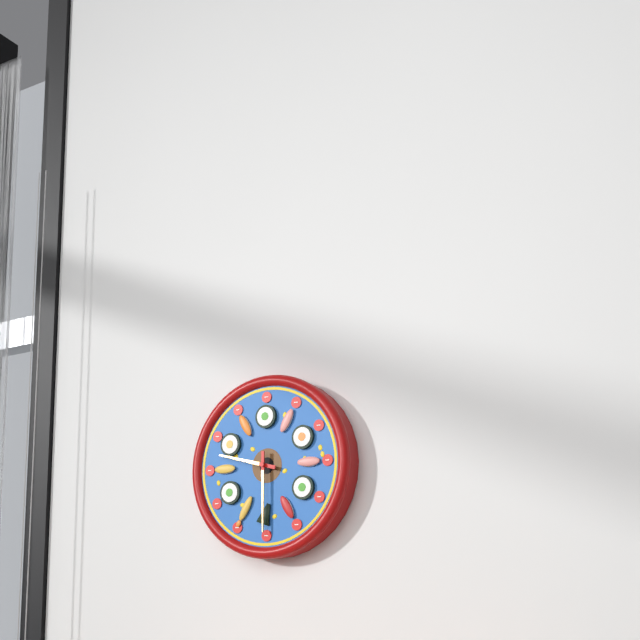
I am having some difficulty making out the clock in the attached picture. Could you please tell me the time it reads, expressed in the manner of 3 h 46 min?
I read 9 h 30 min
